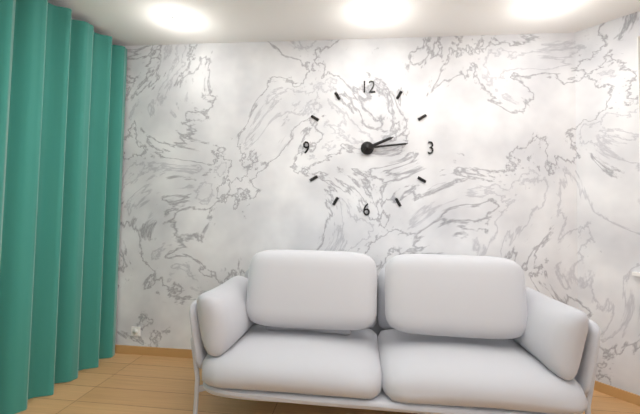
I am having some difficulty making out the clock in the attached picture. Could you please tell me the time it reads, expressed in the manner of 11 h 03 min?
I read 2 h 14 min
